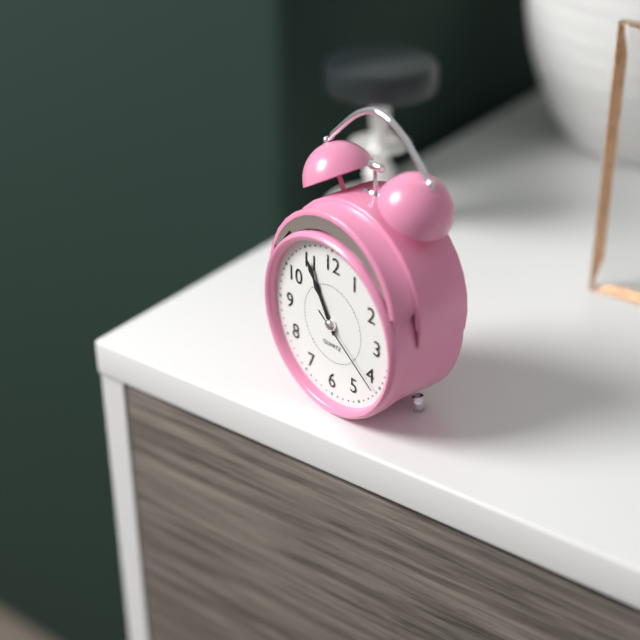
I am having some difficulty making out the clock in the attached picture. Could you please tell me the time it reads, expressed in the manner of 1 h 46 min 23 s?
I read 10 h 55 min 21 s
